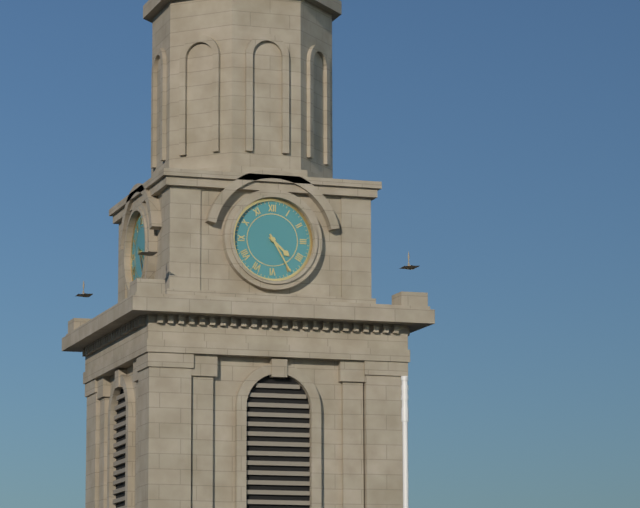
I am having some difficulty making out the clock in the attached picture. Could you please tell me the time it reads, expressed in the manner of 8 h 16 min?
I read 4 h 25 min
